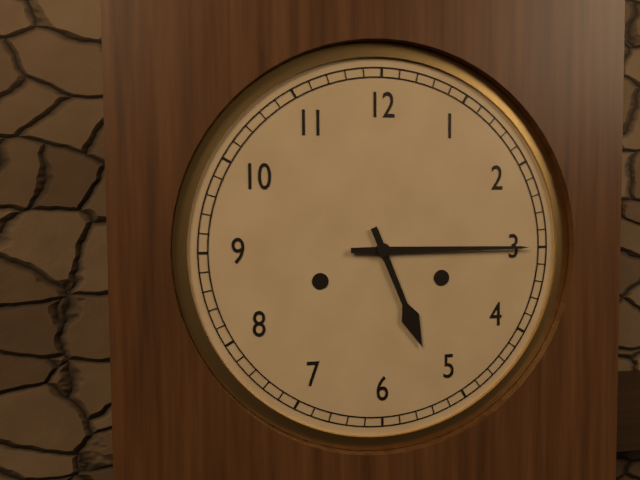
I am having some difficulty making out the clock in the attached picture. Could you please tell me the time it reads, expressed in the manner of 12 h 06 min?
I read 5 h 15 min
